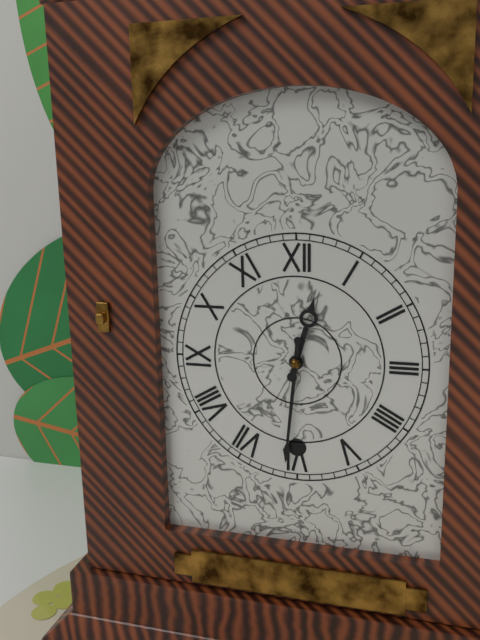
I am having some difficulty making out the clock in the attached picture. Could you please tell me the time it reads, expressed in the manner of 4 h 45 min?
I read 12 h 31 min
